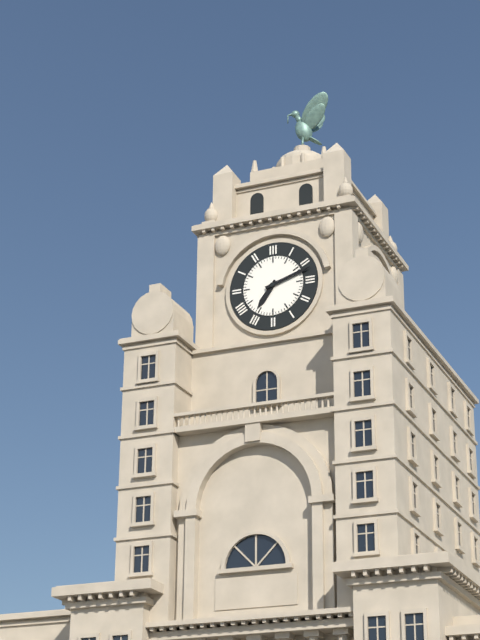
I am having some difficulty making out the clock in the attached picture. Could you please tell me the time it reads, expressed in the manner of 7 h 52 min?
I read 7 h 12 min
